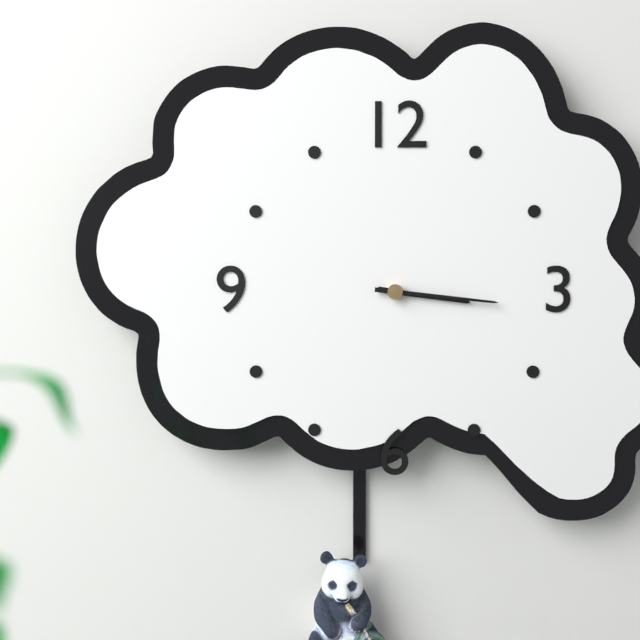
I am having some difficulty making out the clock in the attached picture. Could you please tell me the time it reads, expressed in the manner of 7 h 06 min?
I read 3 h 16 min
